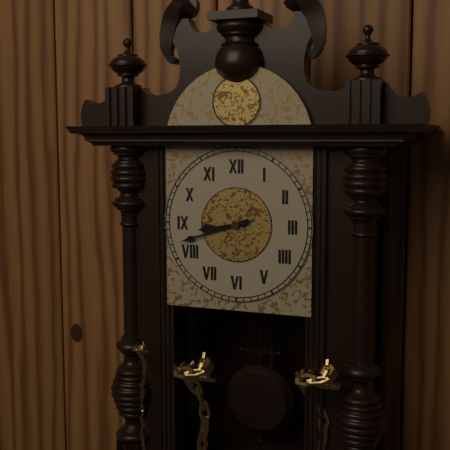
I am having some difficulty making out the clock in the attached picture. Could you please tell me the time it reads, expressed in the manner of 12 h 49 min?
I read 8 h 42 min
